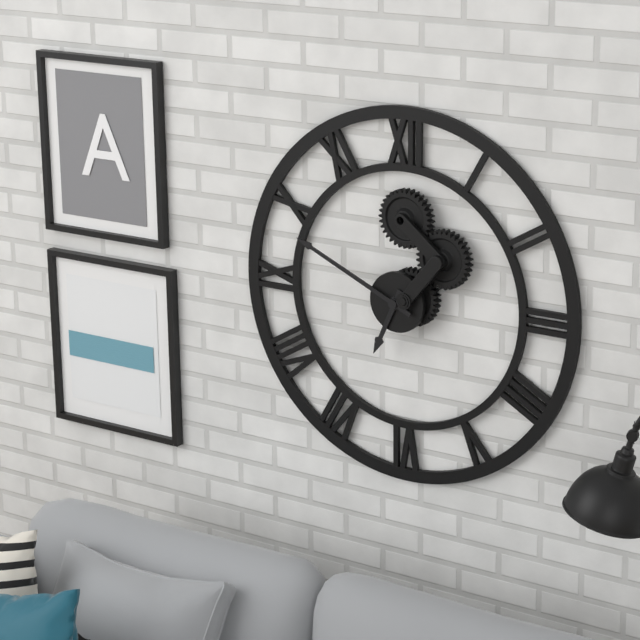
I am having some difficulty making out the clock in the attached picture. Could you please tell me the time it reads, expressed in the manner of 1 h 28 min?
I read 6 h 49 min
